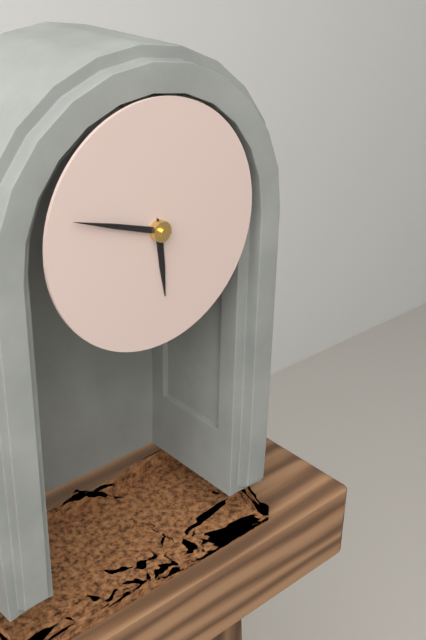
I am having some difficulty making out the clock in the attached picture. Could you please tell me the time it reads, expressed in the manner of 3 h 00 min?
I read 5 h 48 min
